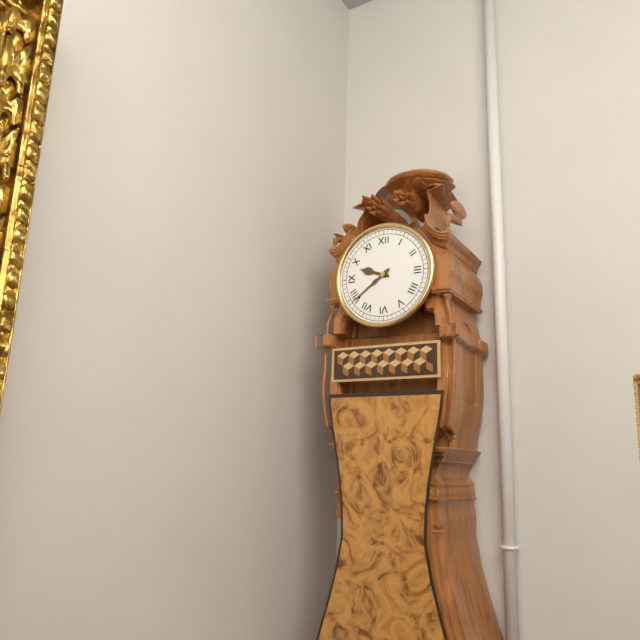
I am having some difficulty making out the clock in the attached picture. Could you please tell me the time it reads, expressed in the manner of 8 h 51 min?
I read 9 h 39 min
